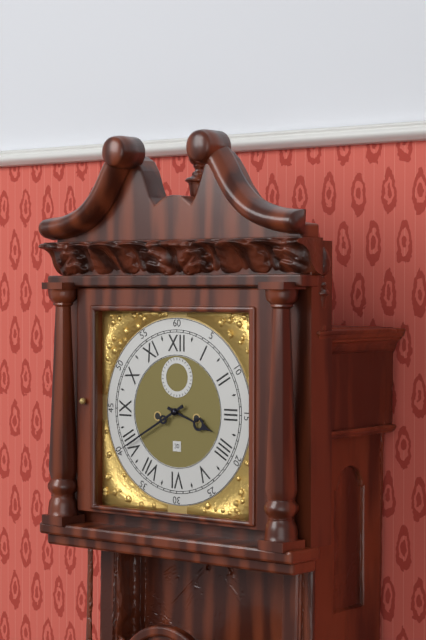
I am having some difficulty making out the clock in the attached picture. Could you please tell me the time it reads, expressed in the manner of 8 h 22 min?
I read 3 h 40 min
